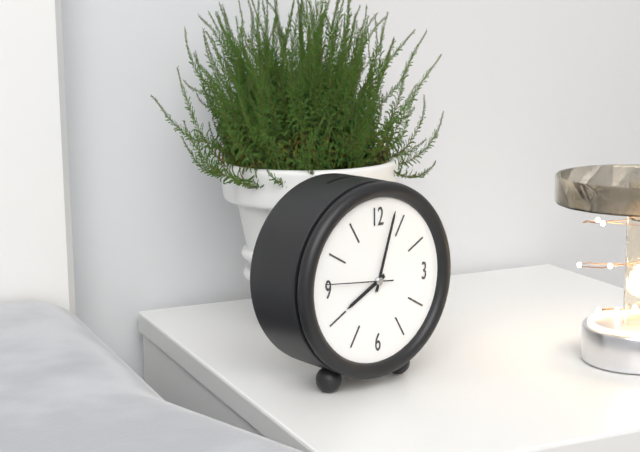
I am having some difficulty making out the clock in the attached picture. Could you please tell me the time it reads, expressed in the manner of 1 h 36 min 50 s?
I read 8 h 03 min 46 s
